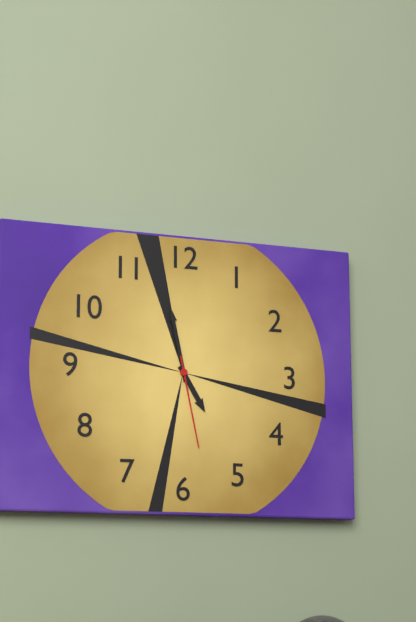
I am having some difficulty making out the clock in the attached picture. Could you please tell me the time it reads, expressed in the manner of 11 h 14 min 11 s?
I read 4 h 58 min 28 s
